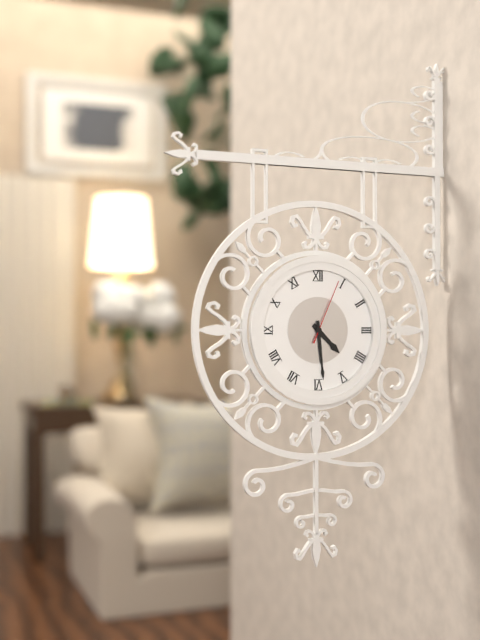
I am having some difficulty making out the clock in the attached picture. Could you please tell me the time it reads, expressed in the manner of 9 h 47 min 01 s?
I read 4 h 29 min 04 s
